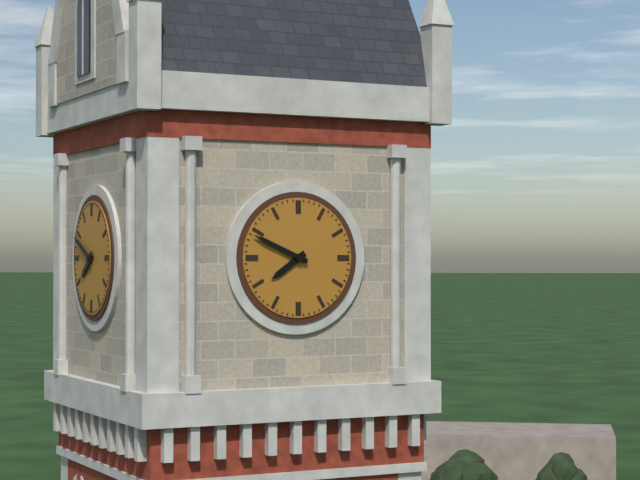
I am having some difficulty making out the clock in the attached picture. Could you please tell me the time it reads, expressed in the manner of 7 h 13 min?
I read 7 h 49 min
